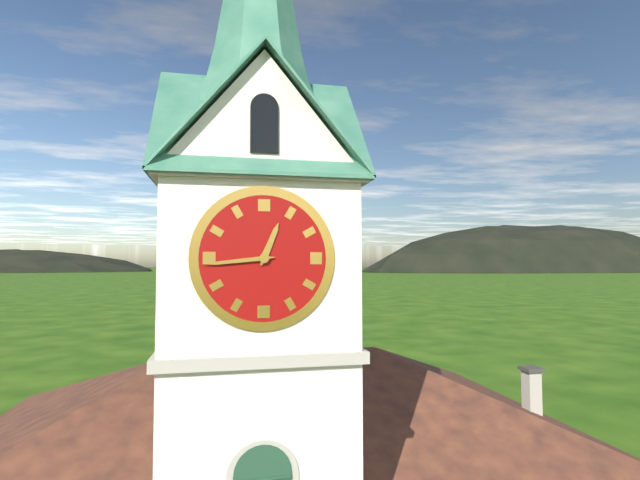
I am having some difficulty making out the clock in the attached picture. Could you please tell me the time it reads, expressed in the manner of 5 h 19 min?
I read 12 h 44 min
